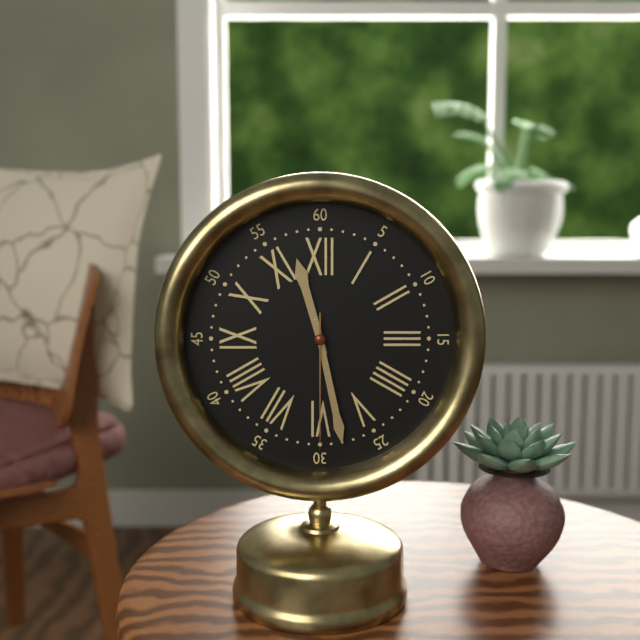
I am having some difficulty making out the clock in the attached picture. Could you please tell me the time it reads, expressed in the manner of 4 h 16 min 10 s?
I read 11 h 28 min 30 s
